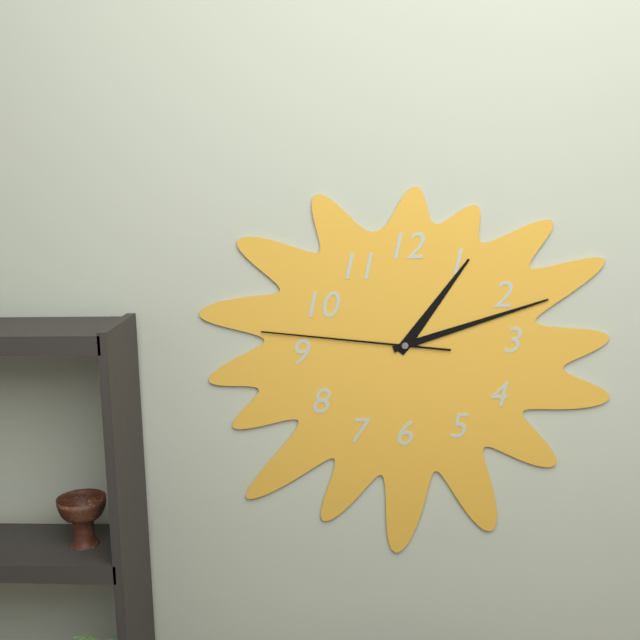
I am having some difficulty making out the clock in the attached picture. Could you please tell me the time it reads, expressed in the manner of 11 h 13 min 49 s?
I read 1 h 12 min 46 s
